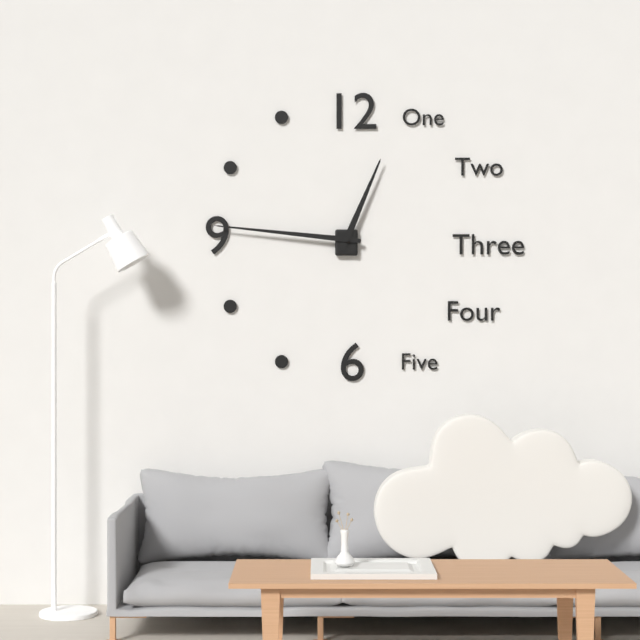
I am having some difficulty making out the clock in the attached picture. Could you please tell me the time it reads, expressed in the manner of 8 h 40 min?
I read 12 h 46 min
